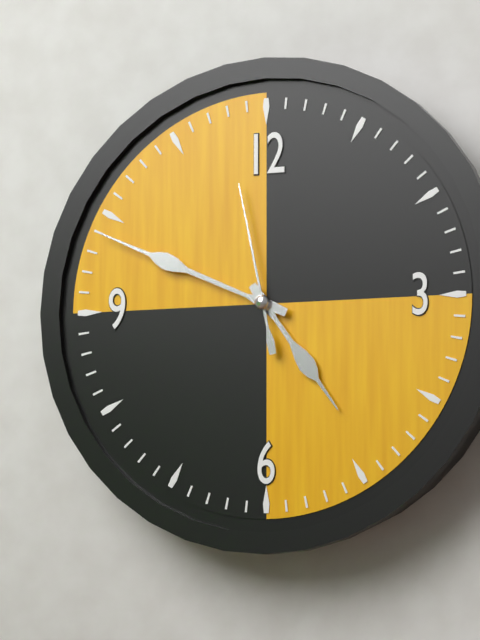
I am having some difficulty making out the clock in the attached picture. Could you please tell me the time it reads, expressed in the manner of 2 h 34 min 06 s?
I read 4 h 49 min 58 s
